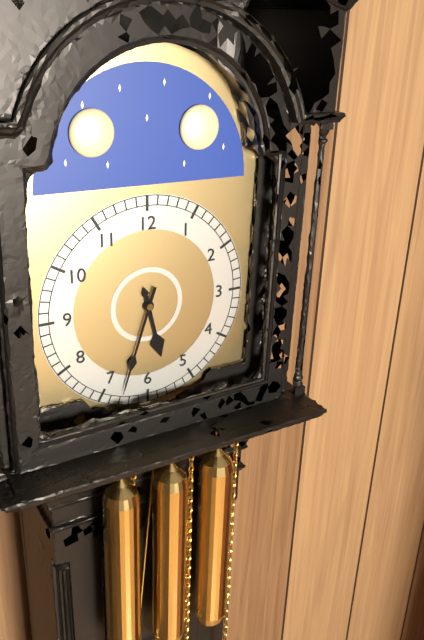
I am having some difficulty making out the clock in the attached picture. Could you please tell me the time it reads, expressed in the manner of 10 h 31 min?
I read 5 h 33 min
